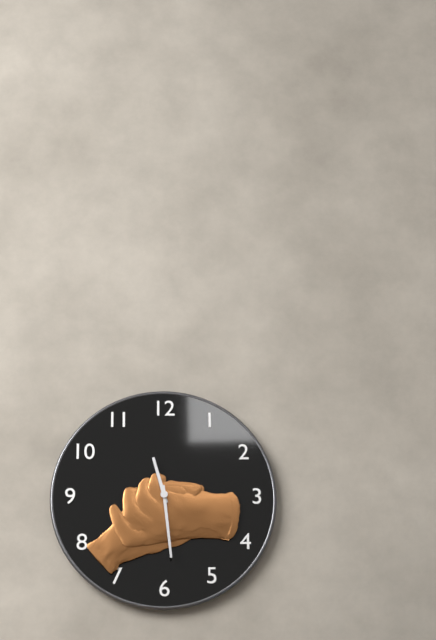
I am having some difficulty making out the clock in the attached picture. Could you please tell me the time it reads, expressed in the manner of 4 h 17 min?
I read 11 h 29 min
